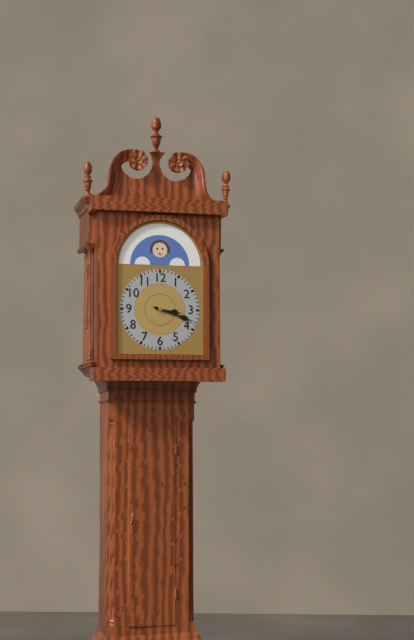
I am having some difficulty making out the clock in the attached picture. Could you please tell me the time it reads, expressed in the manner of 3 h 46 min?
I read 3 h 18 min
